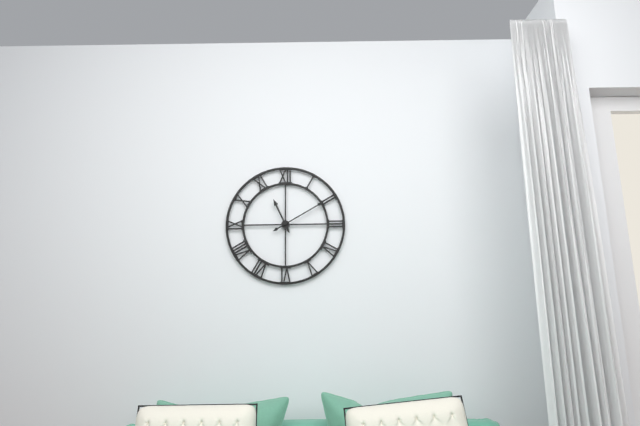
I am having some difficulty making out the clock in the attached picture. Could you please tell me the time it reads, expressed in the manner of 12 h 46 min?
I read 11 h 10 min
